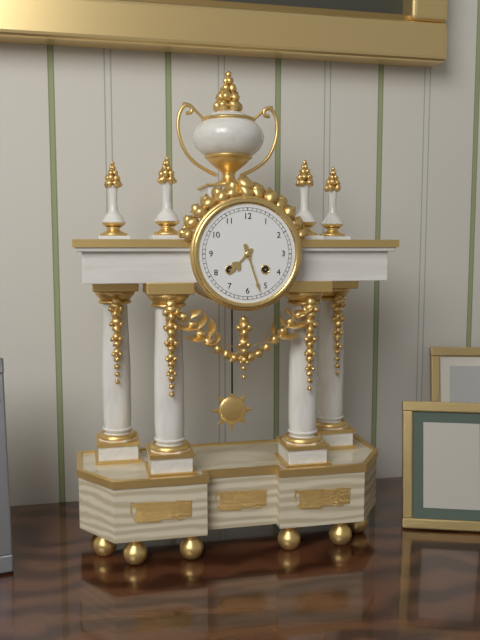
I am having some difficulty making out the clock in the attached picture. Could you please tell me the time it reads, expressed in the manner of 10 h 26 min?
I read 7 h 27 min
